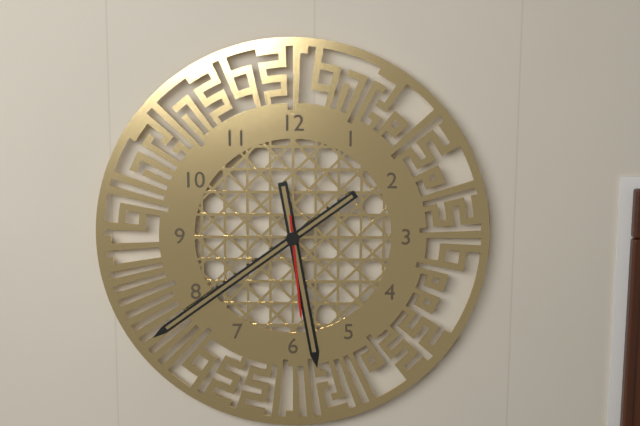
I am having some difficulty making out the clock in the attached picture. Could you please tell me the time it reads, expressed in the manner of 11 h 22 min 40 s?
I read 5 h 39 min 29 s
